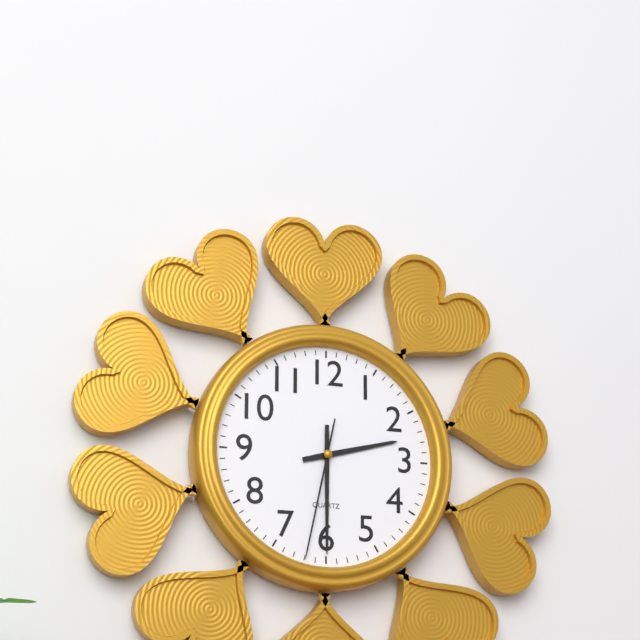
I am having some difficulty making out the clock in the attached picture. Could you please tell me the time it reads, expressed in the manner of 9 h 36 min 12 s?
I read 2 h 30 min 32 s
